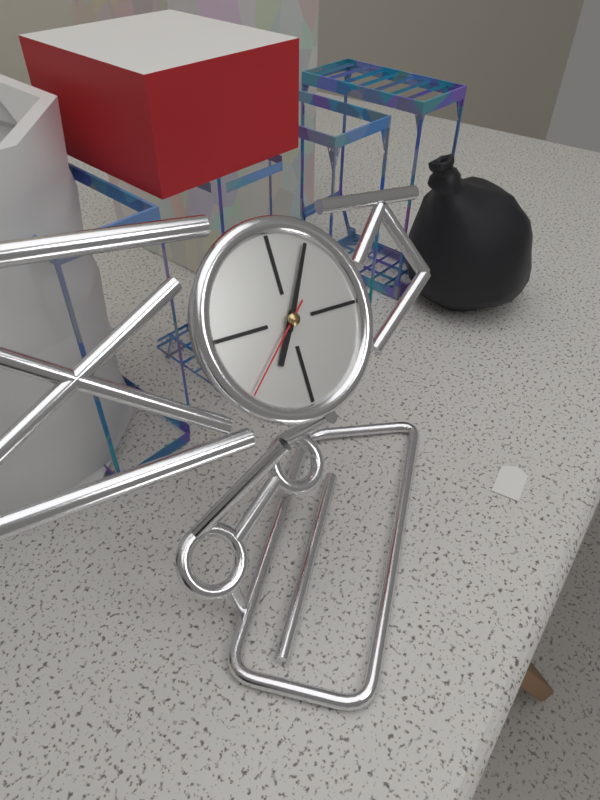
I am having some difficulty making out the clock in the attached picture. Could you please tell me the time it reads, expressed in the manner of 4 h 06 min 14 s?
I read 7 h 05 min 38 s
